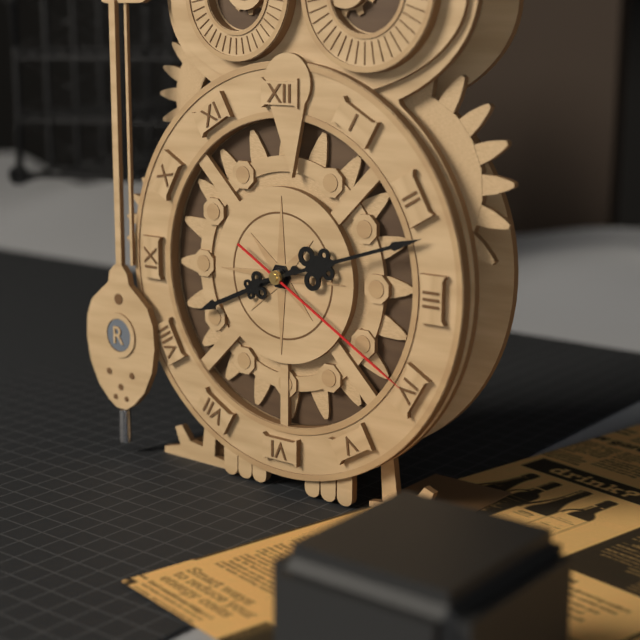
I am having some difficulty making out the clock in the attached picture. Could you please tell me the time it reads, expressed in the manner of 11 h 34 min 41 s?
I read 8 h 12 min 20 s
